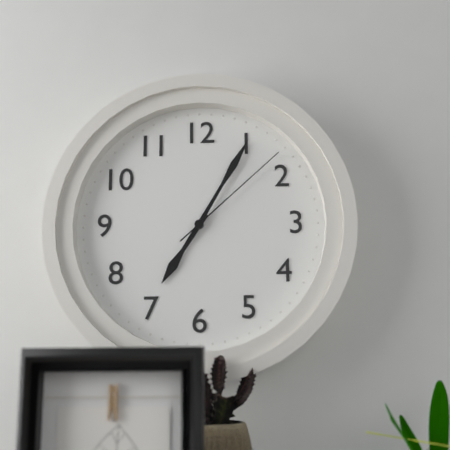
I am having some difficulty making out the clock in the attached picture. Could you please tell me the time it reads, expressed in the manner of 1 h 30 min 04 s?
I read 7 h 05 min 08 s
